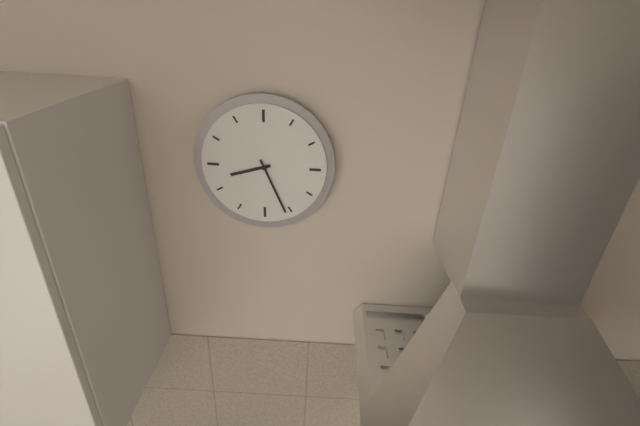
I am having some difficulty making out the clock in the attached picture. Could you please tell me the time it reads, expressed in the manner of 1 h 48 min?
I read 8 h 26 min
